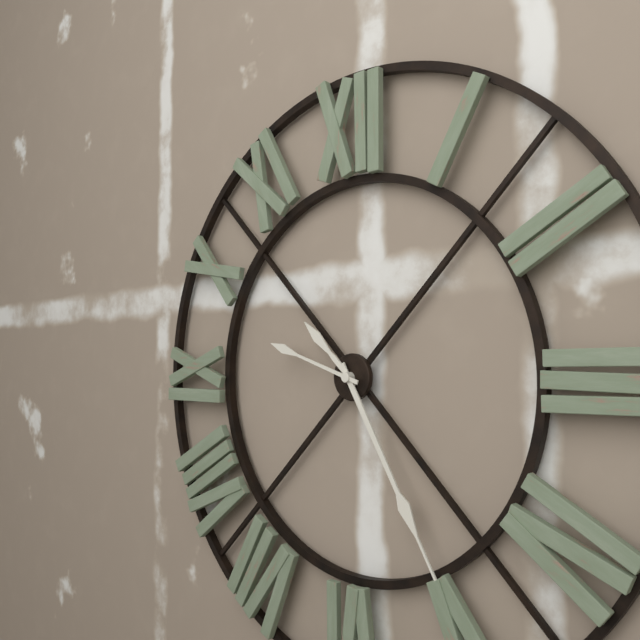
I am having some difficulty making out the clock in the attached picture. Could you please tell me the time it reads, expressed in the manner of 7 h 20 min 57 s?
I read 10 h 25 min 48 s
